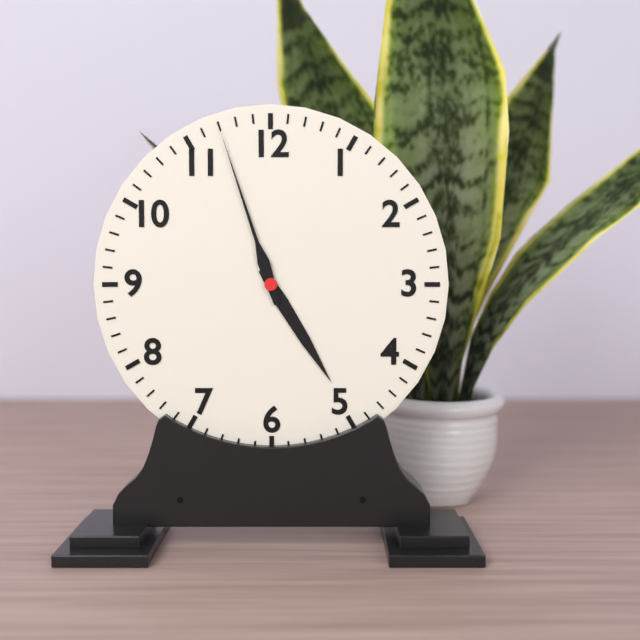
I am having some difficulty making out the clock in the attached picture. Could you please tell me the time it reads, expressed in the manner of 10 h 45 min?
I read 4 h 57 min
